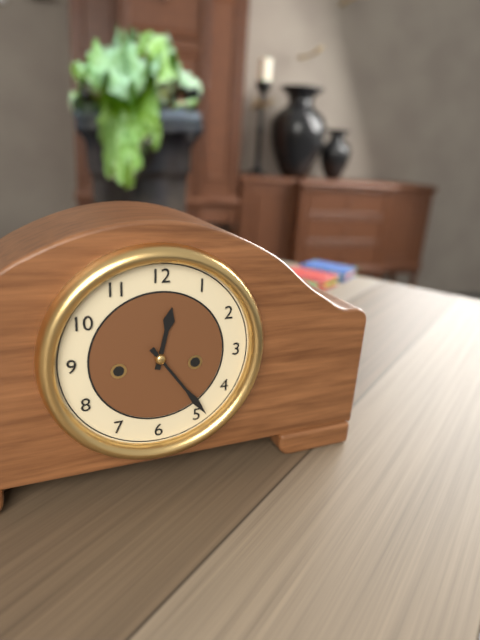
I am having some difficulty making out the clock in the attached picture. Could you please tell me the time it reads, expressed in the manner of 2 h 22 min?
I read 12 h 24 min
